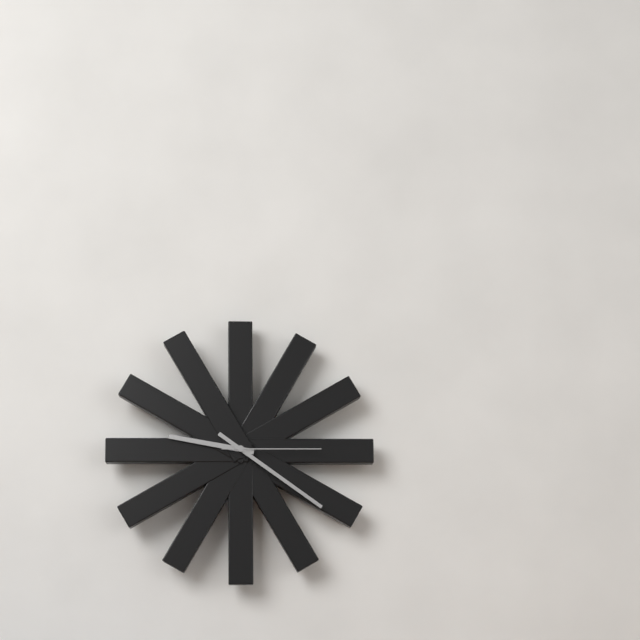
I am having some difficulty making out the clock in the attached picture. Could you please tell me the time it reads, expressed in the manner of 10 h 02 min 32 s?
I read 9 h 21 min 15 s
